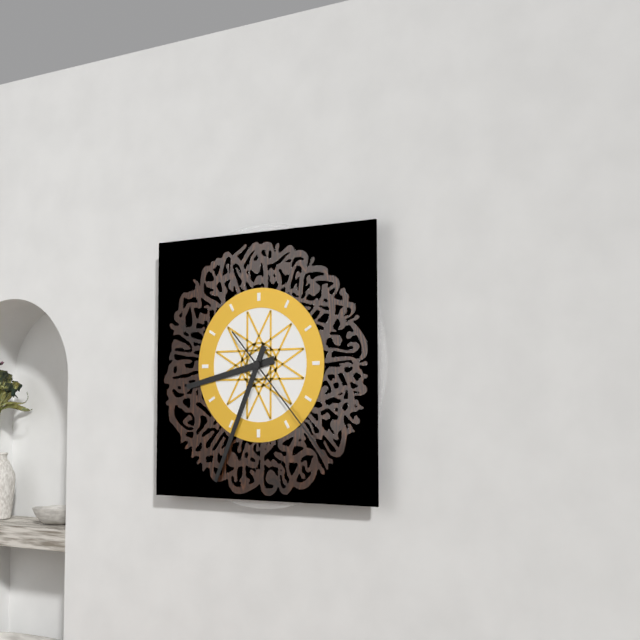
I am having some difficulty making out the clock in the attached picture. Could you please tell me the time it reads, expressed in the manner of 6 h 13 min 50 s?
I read 8 h 34 min 23 s
